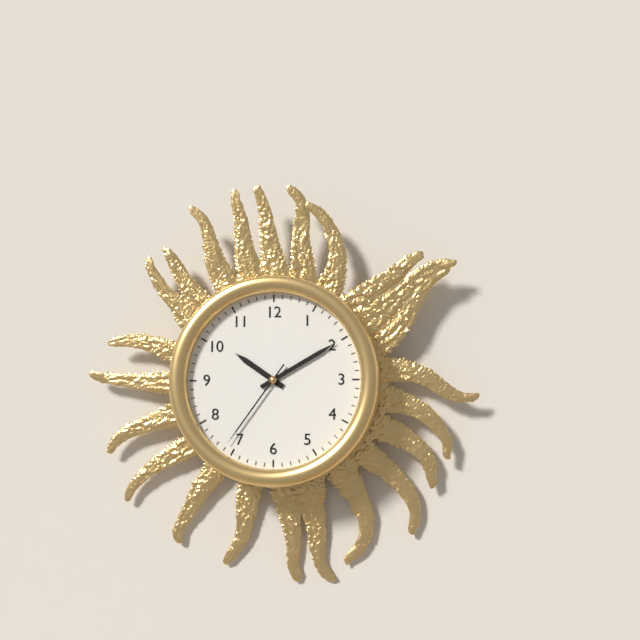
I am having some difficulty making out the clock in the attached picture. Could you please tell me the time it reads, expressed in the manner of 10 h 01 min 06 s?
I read 10 h 10 min 36 s
